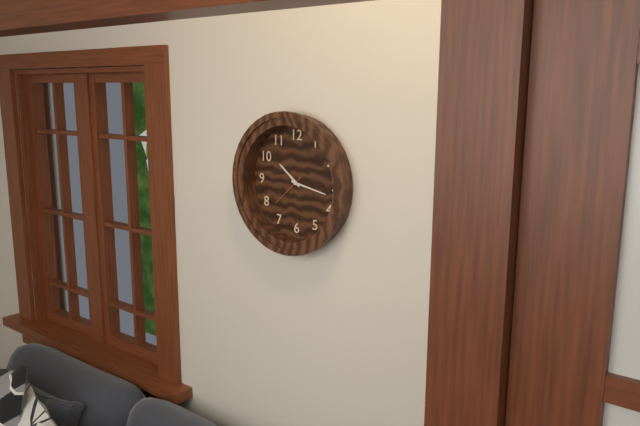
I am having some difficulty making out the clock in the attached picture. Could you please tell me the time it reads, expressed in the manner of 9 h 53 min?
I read 10 h 17 min
